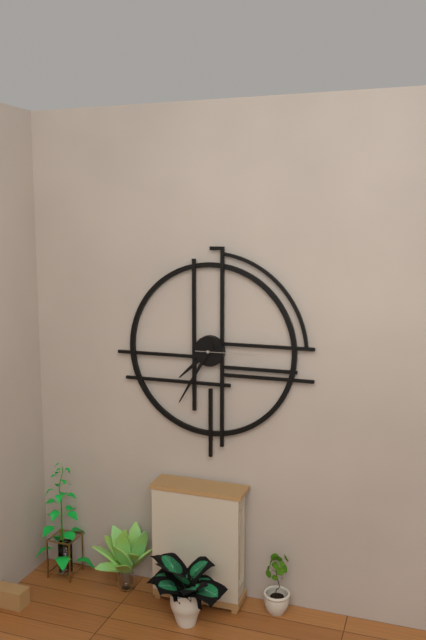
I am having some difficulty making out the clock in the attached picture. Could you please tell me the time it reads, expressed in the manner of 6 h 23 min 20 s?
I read 7 h 35 min 15 s
